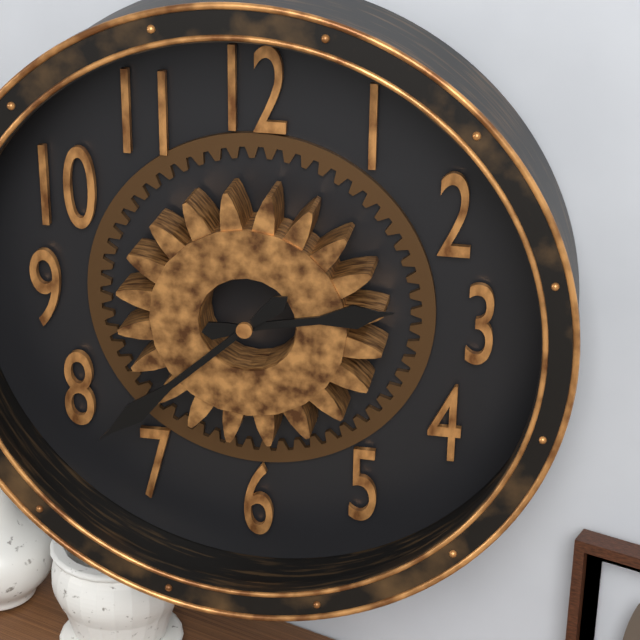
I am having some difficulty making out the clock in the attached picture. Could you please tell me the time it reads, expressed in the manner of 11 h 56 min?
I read 2 h 38 min
